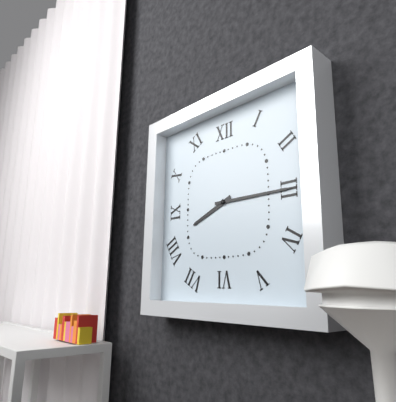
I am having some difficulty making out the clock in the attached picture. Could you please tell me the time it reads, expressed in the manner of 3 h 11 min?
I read 8 h 15 min
